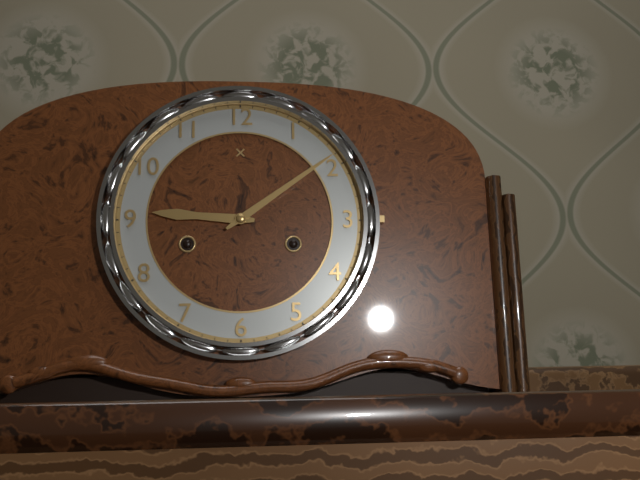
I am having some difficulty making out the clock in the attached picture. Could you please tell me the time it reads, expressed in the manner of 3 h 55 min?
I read 9 h 09 min
